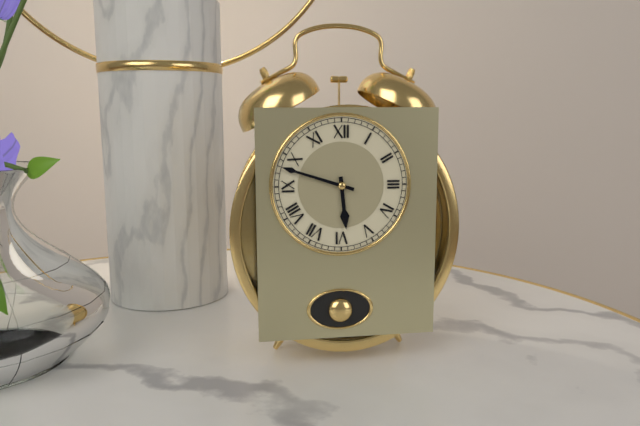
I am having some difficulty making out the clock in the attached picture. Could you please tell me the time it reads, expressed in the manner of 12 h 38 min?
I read 5 h 48 min
